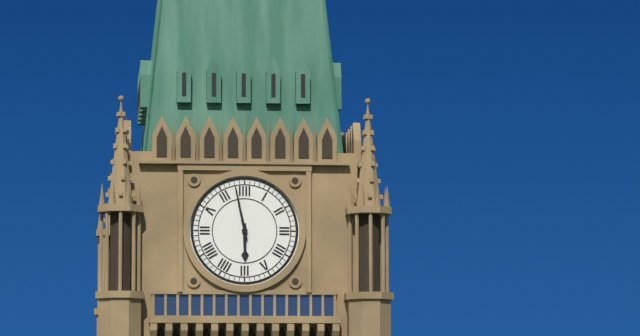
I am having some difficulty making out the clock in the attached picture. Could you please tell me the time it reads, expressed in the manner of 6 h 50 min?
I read 5 h 58 min
